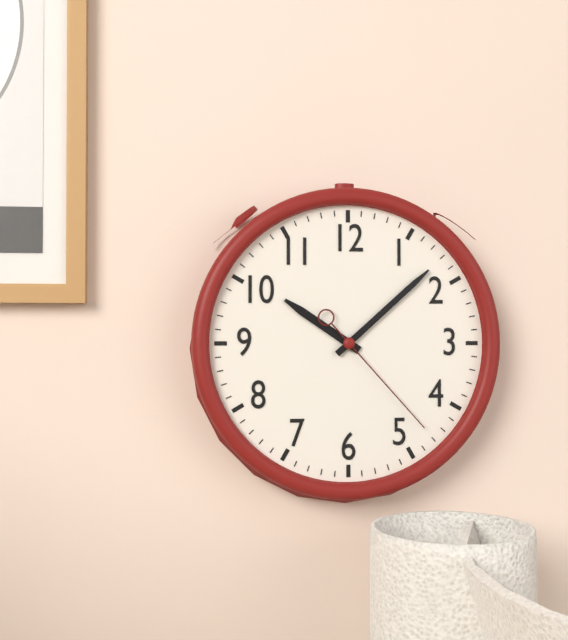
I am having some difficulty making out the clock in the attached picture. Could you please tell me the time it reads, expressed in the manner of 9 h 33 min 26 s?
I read 10 h 08 min 23 s
